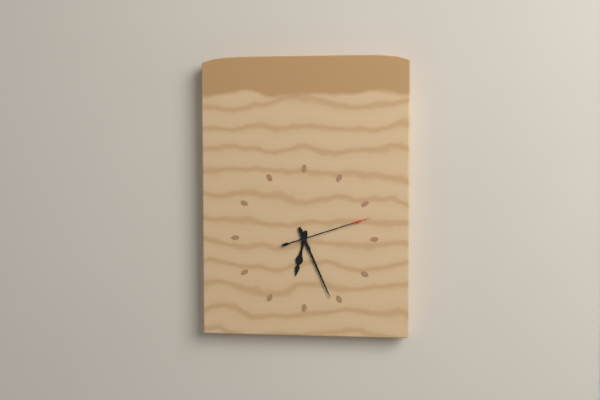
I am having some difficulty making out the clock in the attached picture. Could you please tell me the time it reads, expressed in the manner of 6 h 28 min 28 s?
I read 6 h 26 min 12 s
